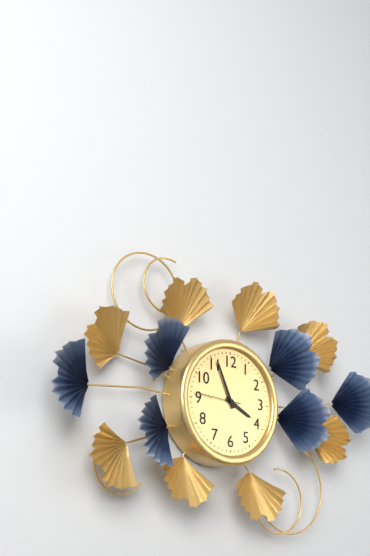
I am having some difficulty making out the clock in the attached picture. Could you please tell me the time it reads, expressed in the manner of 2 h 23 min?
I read 3 h 56 min
